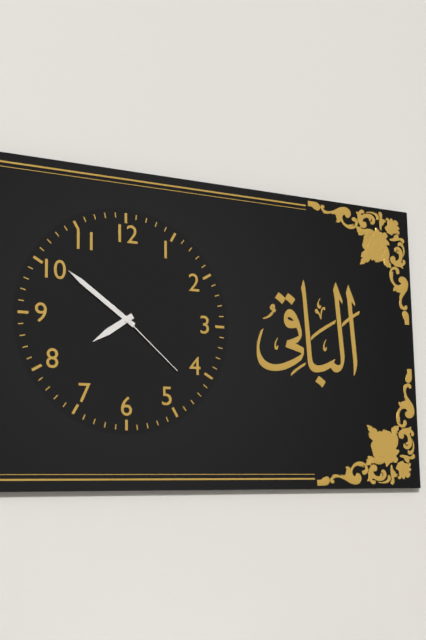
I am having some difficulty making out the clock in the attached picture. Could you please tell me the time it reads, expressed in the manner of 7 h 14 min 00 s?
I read 7 h 51 min 22 s
